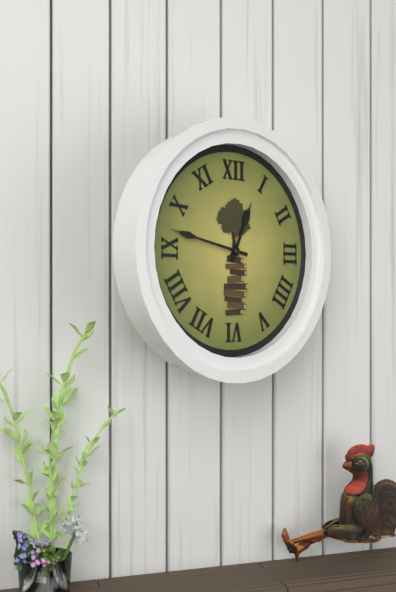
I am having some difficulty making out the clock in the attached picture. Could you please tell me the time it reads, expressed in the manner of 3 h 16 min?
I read 12 h 47 min
